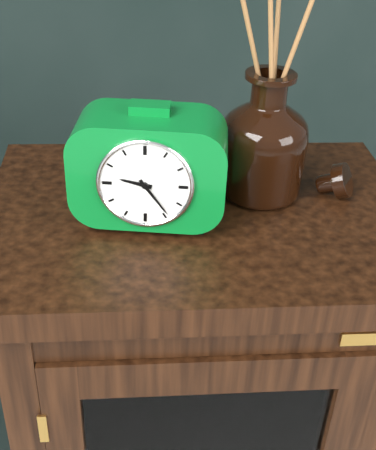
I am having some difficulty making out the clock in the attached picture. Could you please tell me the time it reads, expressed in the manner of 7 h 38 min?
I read 9 h 24 min
